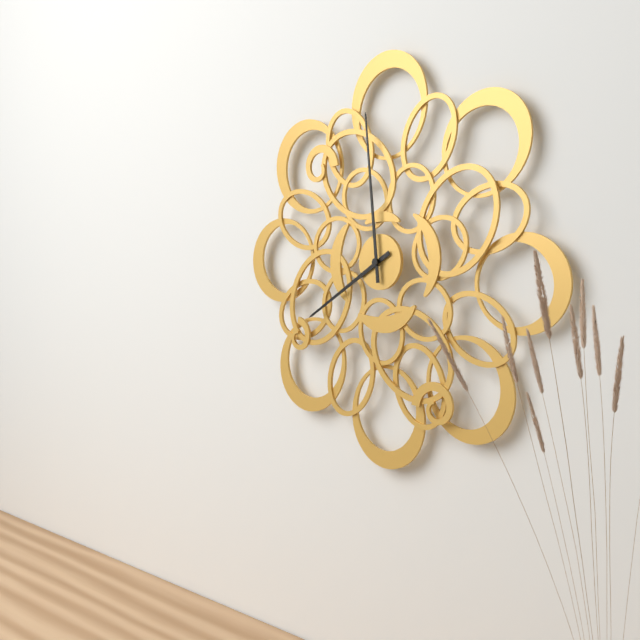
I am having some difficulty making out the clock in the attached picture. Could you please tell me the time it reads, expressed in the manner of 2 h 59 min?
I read 7 h 59 min
